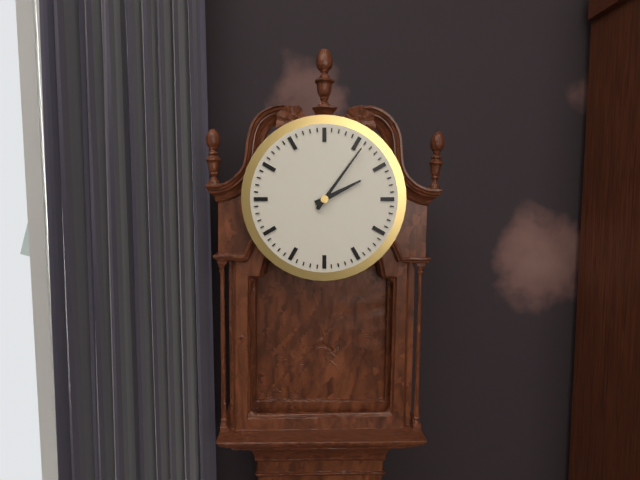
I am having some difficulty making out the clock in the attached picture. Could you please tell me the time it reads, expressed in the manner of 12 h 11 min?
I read 2 h 06 min
